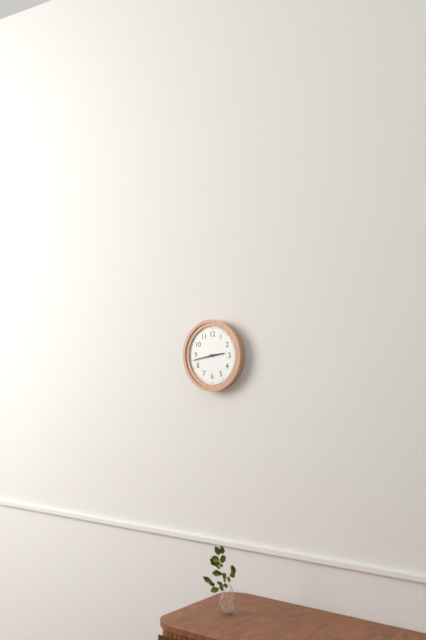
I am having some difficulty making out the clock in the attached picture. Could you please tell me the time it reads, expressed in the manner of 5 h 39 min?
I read 2 h 43 min
